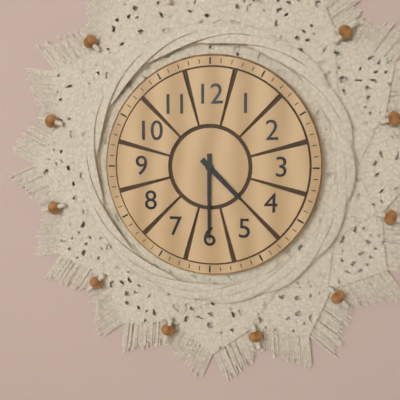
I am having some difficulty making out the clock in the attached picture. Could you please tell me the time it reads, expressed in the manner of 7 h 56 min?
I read 4 h 30 min
